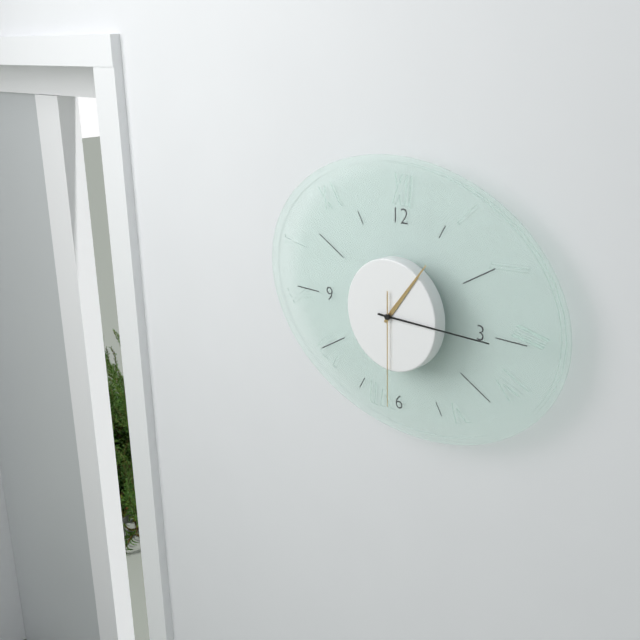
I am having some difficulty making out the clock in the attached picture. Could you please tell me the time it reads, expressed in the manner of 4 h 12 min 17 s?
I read 1 h 15 min 30 s
